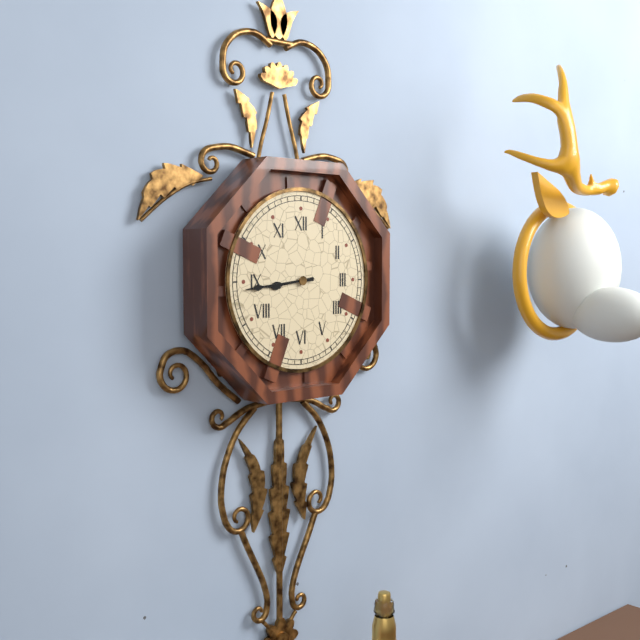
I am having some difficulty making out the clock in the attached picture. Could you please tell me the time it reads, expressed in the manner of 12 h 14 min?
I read 8 h 44 min
